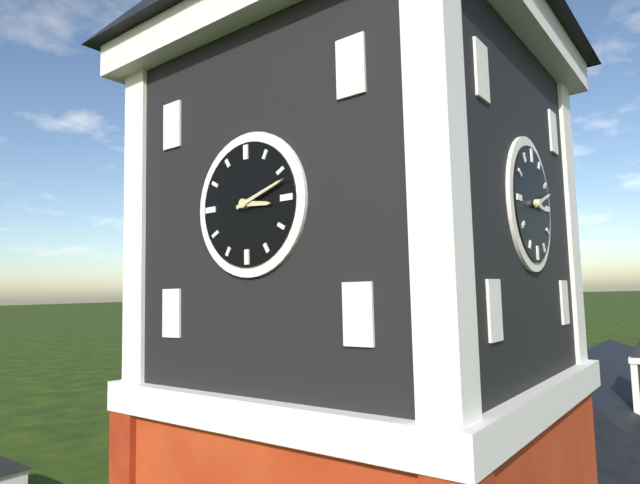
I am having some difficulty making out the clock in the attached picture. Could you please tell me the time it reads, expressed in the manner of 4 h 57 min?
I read 3 h 12 min
